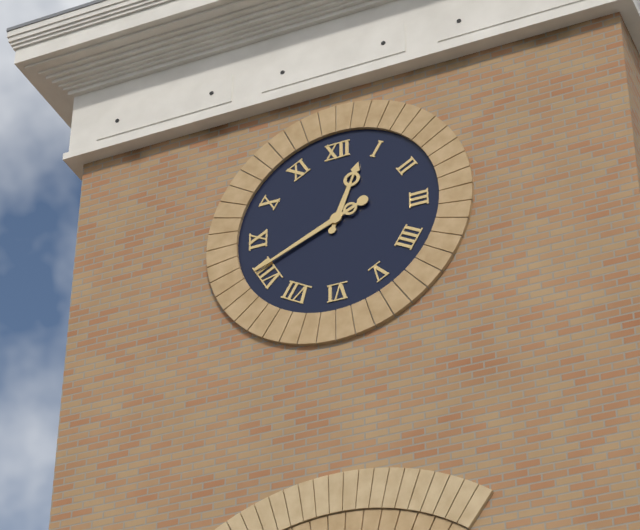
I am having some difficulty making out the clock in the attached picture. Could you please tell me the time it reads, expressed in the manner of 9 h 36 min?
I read 12 h 41 min
